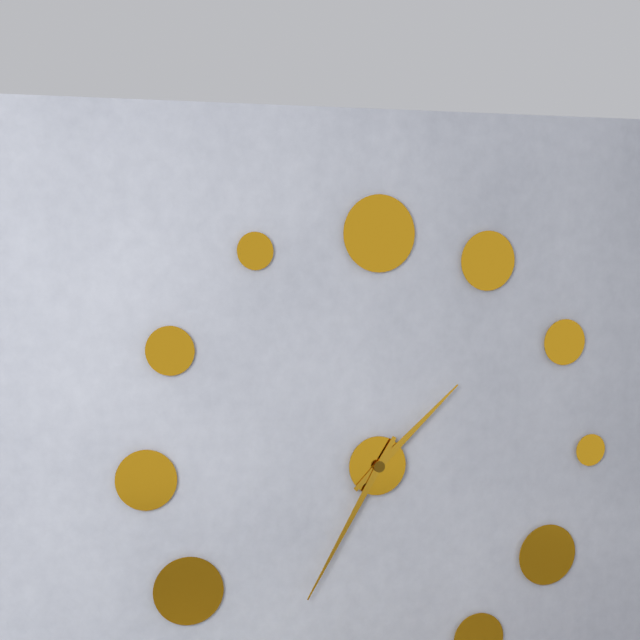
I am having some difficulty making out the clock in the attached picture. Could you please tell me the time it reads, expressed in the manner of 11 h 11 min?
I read 1 h 35 min
